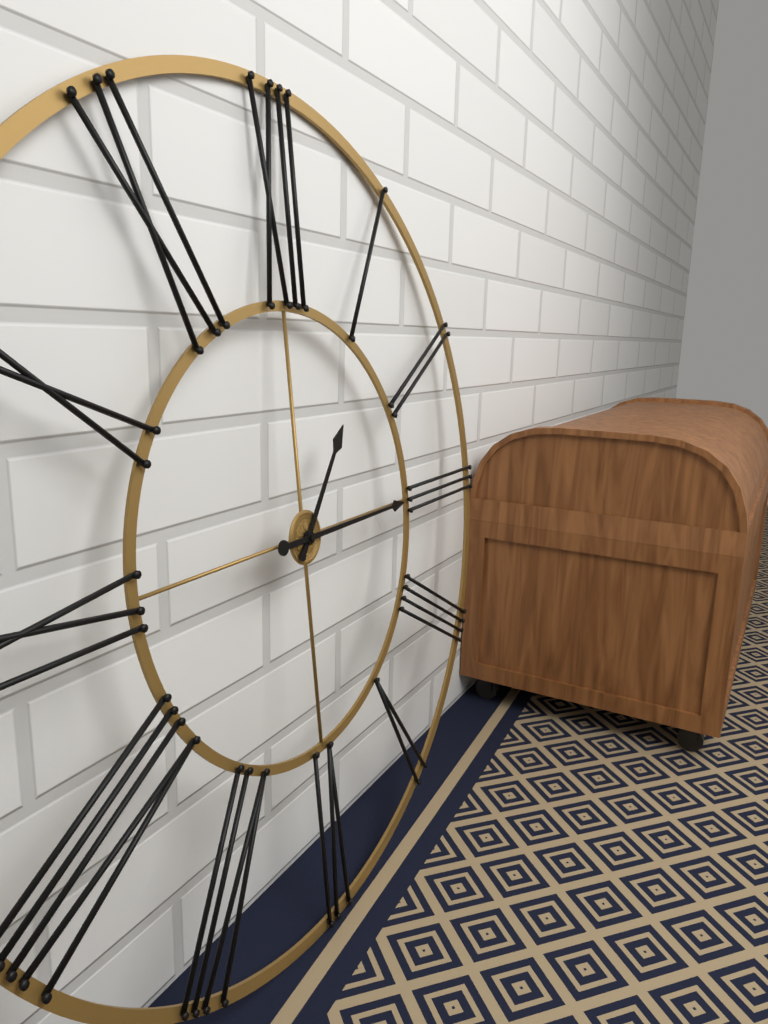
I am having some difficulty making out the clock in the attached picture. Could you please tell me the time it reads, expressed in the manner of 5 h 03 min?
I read 1 h 15 min
